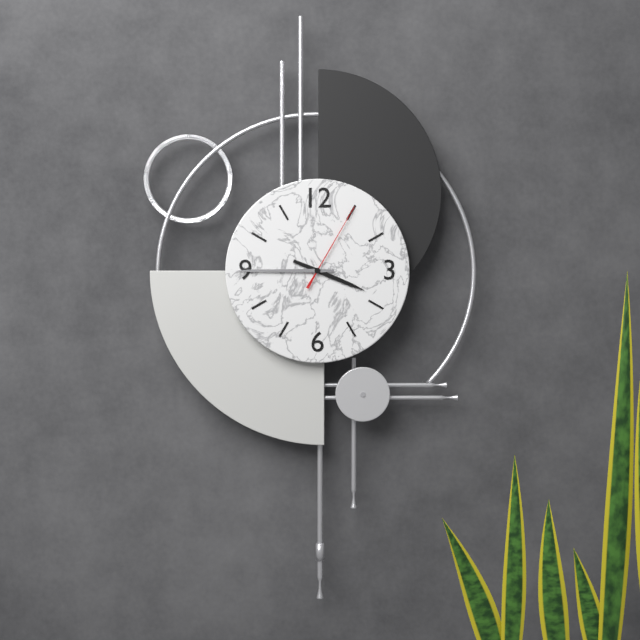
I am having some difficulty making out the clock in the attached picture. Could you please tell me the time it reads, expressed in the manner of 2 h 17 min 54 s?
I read 3 h 45 min 05 s
